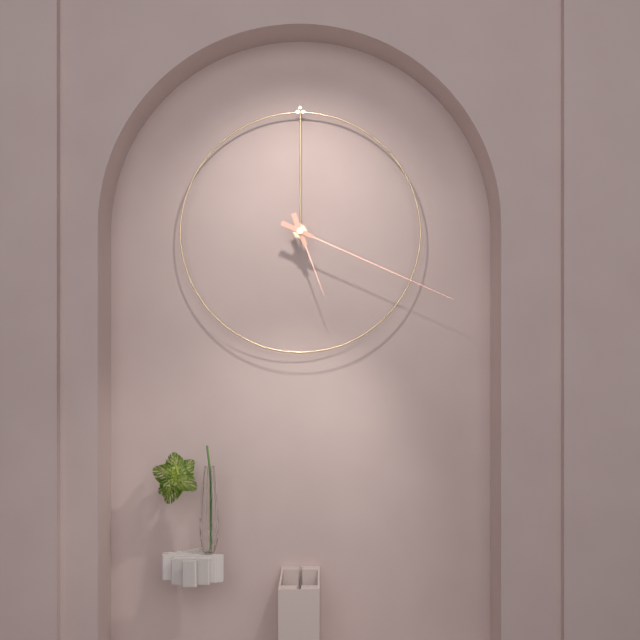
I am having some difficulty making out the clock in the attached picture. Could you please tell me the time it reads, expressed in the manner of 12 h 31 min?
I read 5 h 19 min
